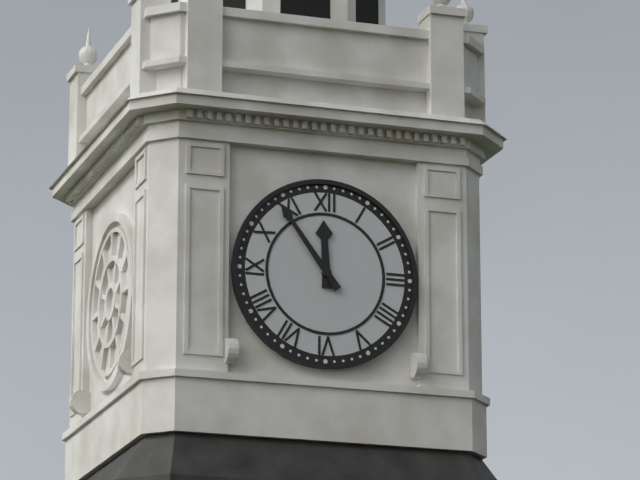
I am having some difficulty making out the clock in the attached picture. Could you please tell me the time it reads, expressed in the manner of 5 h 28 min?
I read 11 h 54 min
